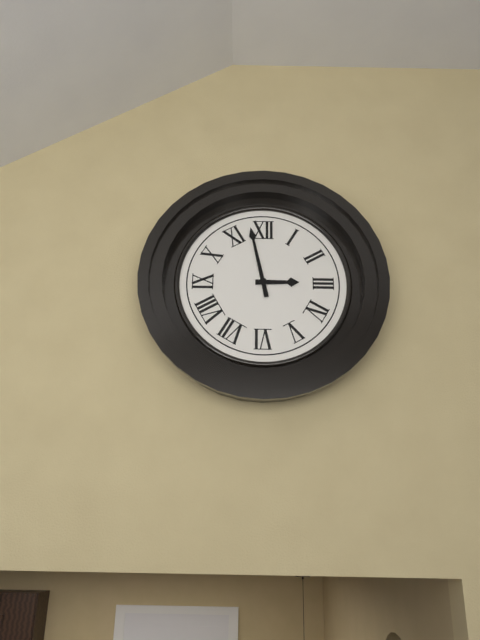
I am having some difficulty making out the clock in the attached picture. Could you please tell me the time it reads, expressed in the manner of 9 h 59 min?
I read 2 h 58 min
